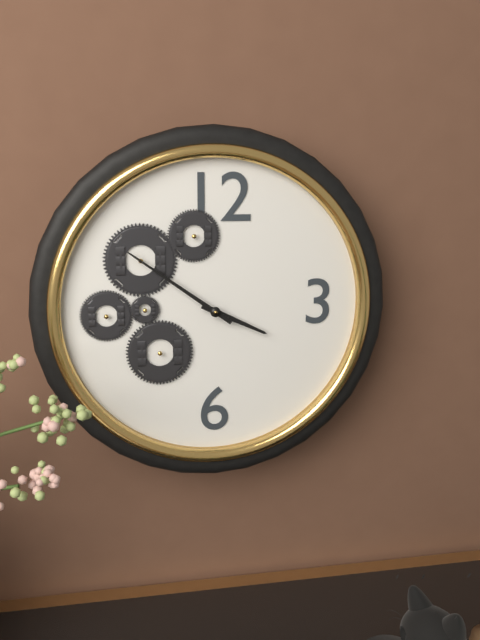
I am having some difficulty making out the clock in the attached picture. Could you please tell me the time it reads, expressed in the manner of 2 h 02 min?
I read 3 h 51 min
